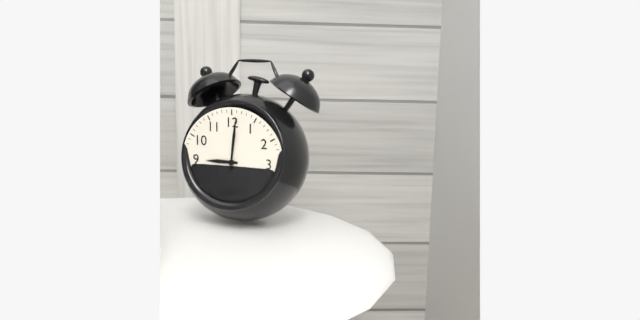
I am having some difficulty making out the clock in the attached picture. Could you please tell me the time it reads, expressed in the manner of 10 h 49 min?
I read 9 h 01 min
